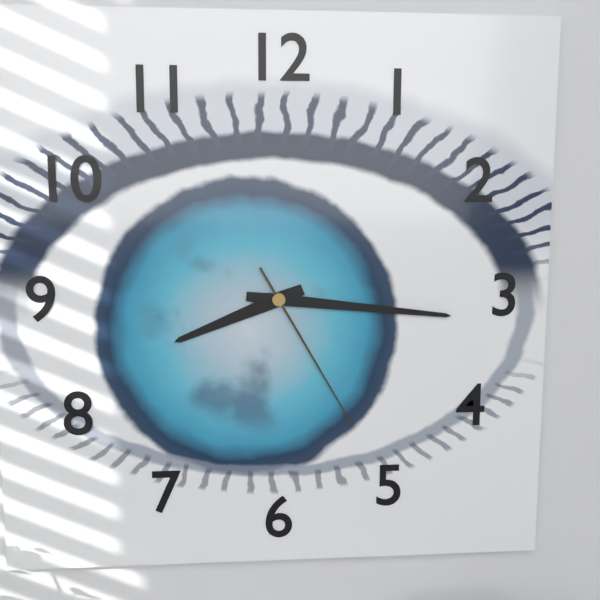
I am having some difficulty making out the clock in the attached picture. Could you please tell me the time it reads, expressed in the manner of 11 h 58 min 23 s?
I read 8 h 16 min 25 s
